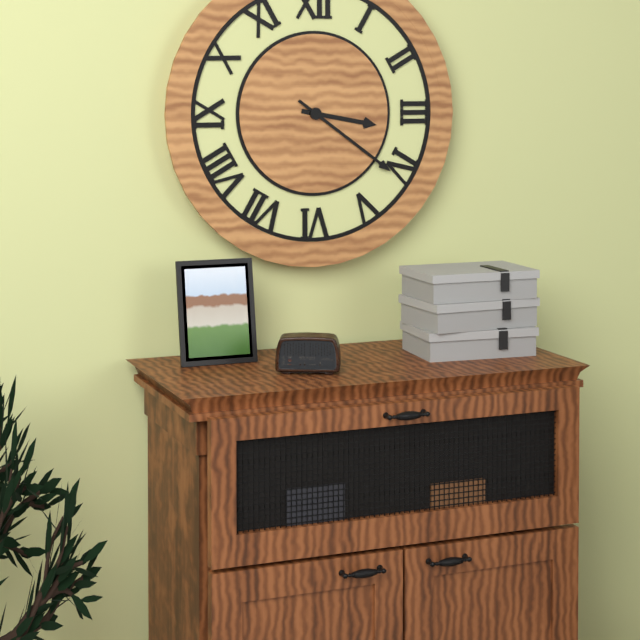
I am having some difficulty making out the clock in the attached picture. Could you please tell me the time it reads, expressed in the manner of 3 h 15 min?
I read 3 h 21 min
